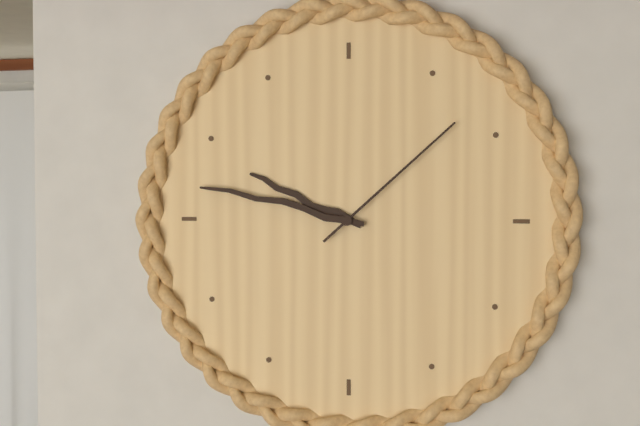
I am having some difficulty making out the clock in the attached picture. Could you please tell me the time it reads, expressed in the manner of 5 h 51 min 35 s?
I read 9 h 47 min 08 s
